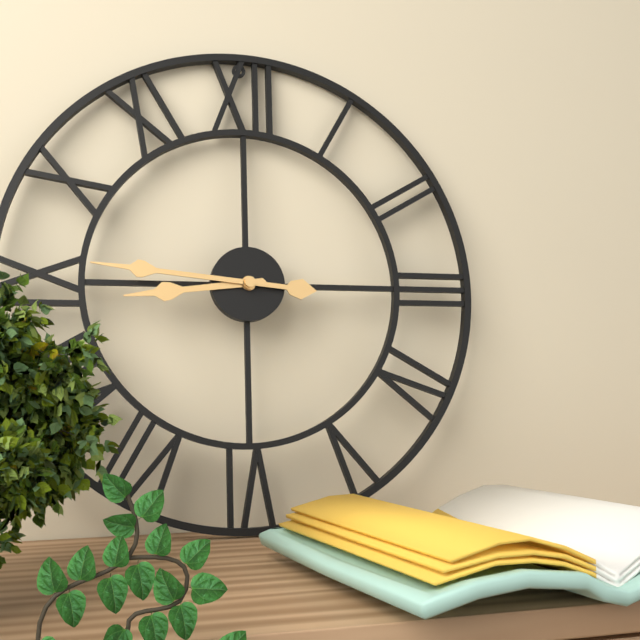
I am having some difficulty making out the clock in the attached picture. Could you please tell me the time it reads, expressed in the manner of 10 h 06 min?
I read 8 h 46 min
